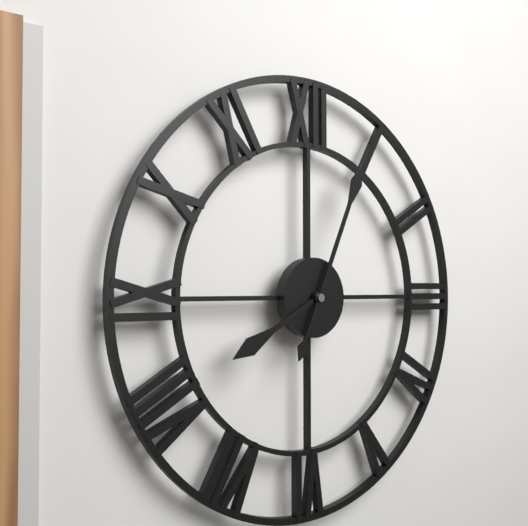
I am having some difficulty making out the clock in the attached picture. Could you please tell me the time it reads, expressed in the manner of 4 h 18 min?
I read 8 h 04 min
